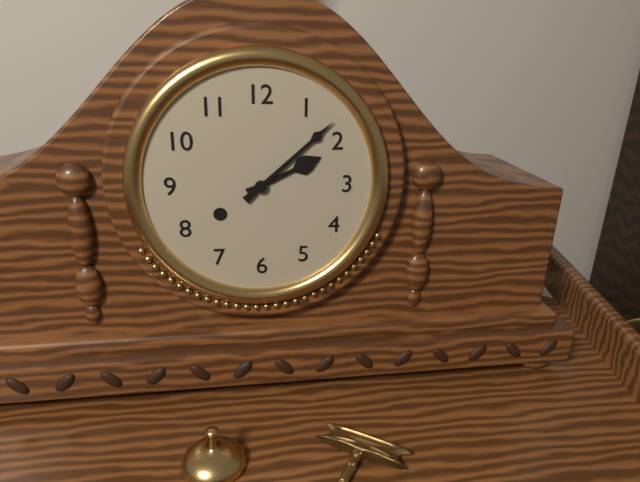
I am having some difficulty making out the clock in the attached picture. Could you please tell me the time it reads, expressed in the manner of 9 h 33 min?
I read 2 h 08 min
